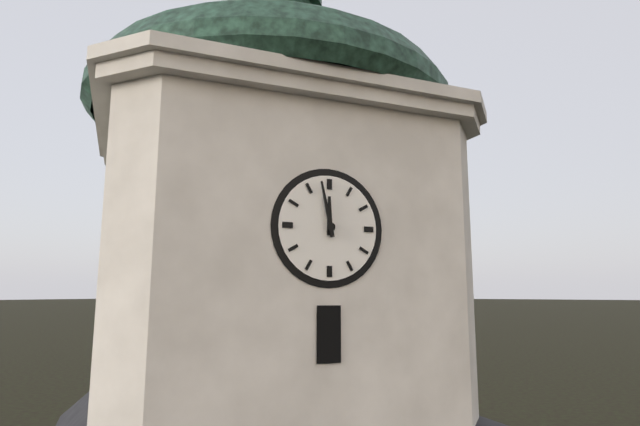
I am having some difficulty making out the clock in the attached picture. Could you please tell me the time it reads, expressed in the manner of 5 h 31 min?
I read 11 h 58 min
